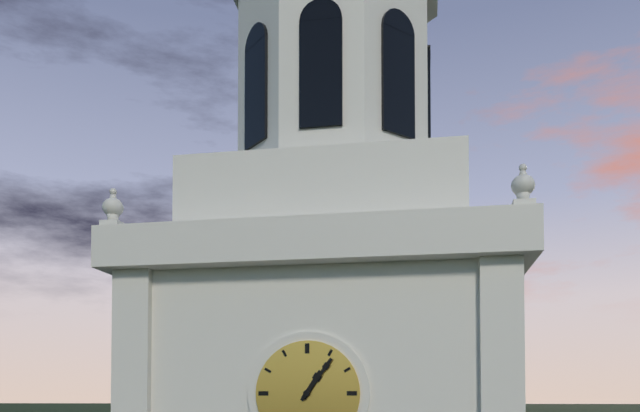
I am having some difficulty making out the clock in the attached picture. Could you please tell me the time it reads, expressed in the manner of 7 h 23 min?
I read 1 h 06 min
